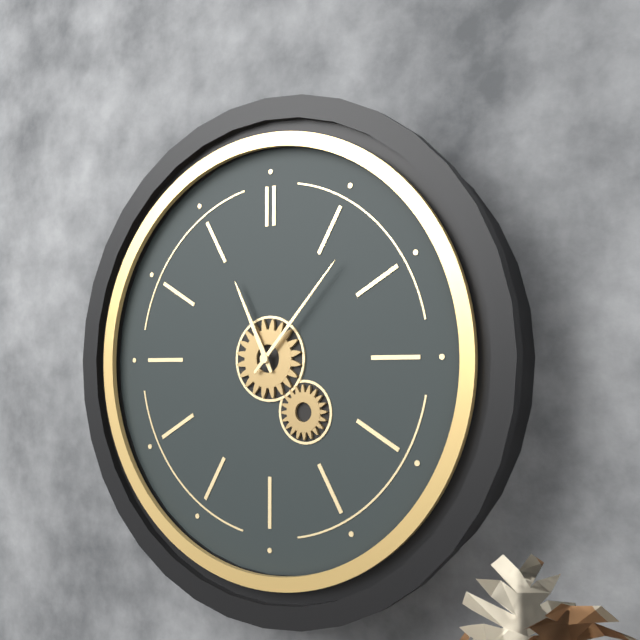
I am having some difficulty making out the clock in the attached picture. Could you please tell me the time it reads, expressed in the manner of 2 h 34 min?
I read 11 h 07 min
